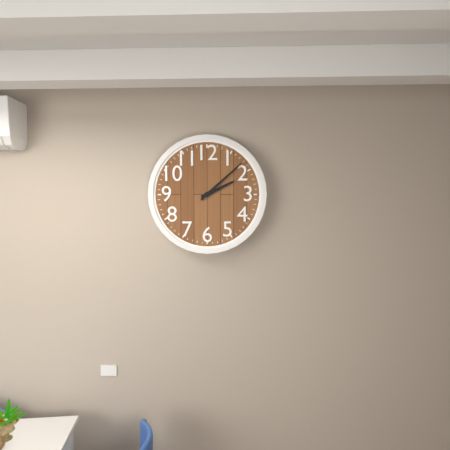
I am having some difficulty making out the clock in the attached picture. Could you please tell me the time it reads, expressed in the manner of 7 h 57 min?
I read 2 h 08 min
